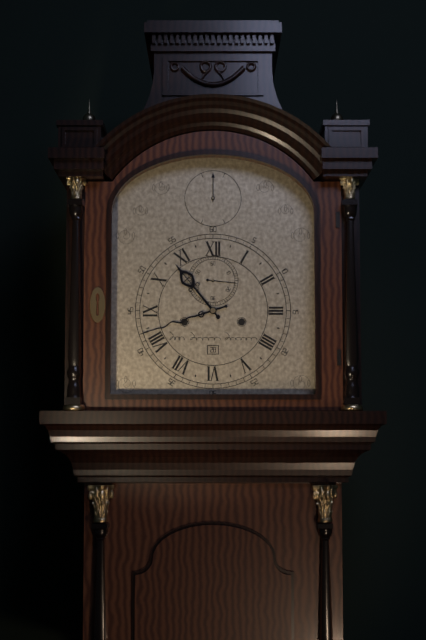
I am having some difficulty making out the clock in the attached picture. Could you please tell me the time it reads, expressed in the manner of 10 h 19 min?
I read 10 h 42 min
